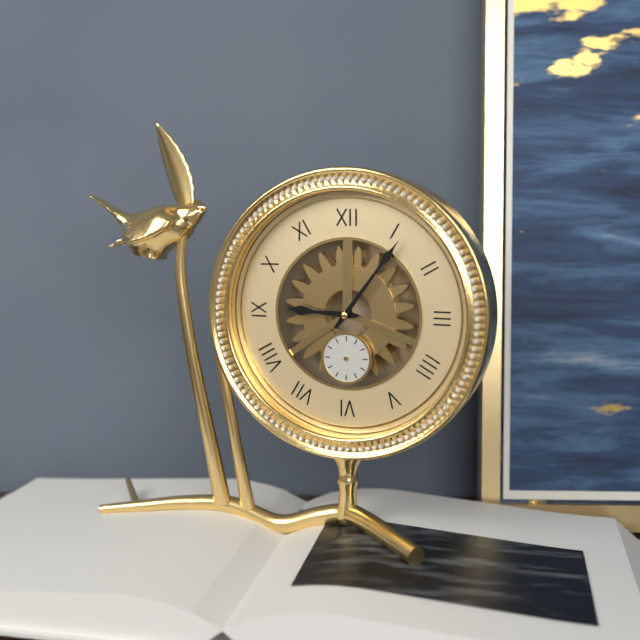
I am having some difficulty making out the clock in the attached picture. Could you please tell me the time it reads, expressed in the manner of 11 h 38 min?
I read 9 h 06 min
